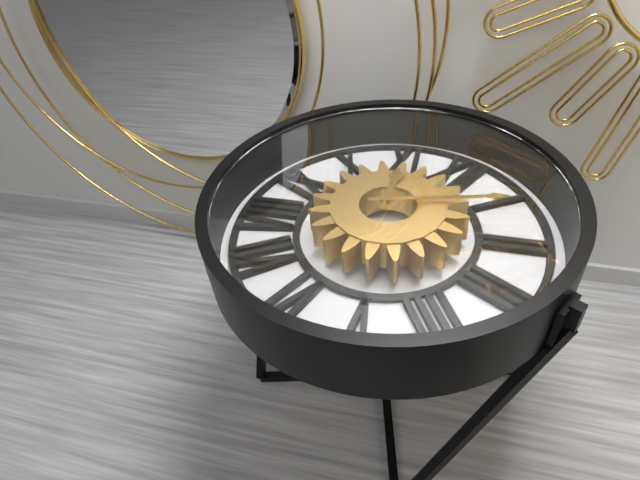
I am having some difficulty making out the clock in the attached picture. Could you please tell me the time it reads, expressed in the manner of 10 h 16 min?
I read 11 h 08 min
